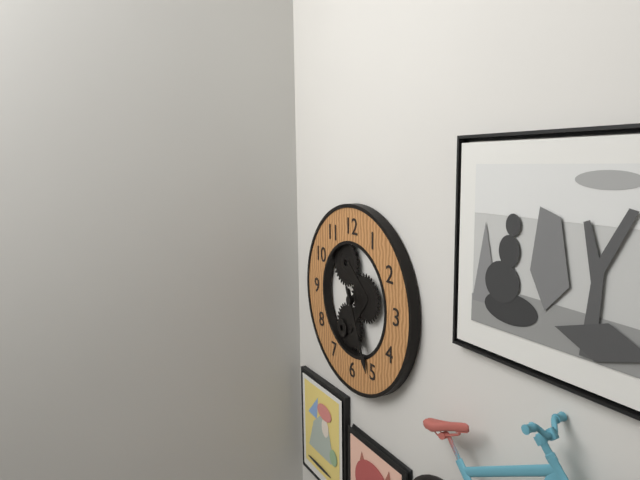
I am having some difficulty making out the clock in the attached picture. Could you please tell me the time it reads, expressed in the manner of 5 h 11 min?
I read 5 h 26 min
